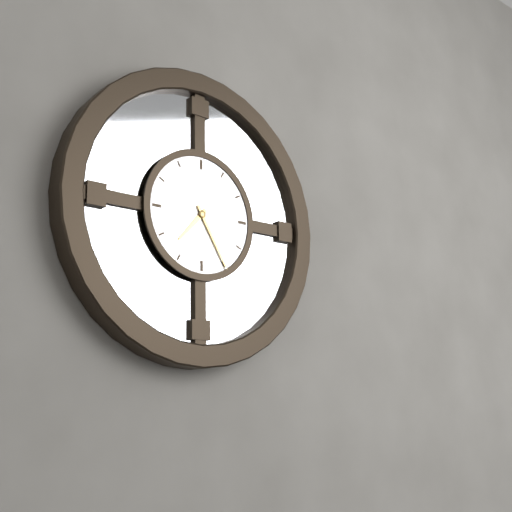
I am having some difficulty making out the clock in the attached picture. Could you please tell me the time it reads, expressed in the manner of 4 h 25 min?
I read 7 h 25 min
